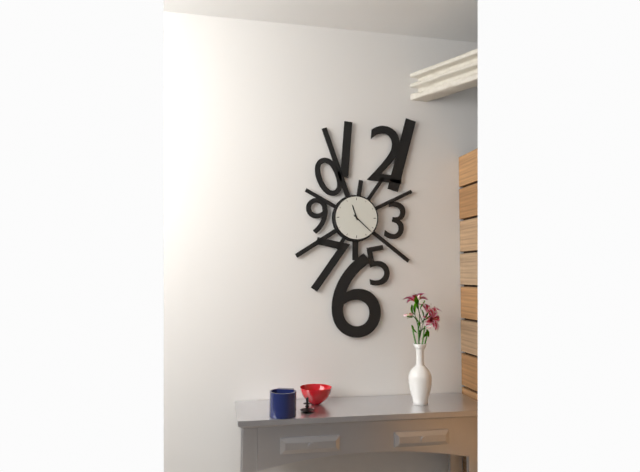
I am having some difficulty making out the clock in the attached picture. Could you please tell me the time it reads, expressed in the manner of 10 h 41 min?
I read 11 h 22 min
